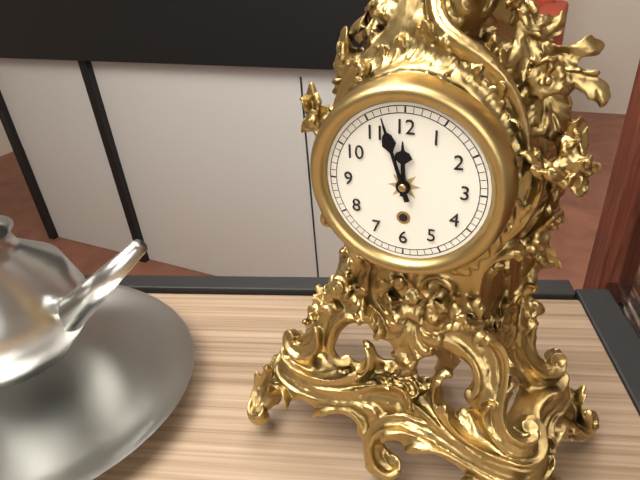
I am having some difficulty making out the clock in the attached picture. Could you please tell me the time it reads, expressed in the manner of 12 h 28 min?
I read 11 h 57 min
